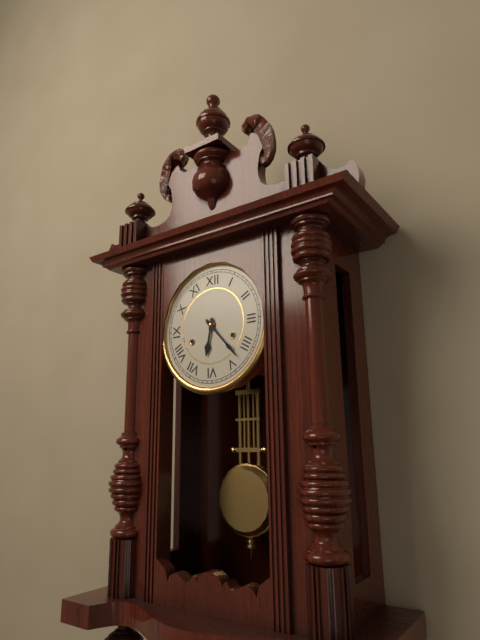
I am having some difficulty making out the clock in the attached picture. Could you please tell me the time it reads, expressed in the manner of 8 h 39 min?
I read 6 h 23 min
